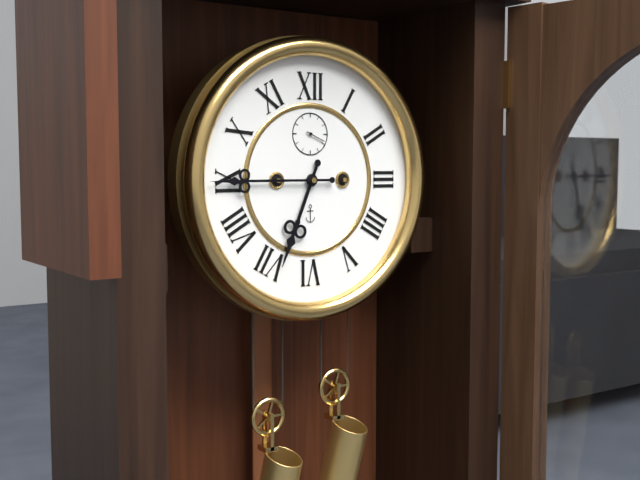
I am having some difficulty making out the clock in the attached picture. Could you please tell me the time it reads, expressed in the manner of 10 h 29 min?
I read 6 h 45 min
